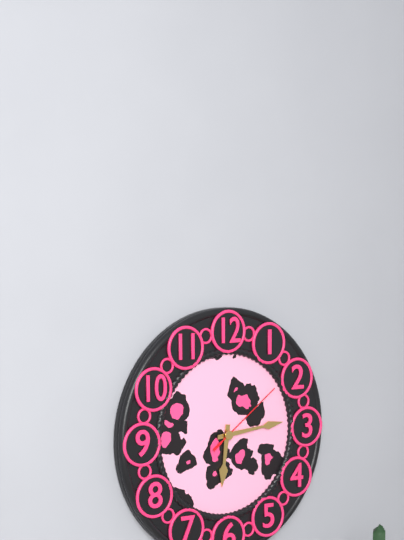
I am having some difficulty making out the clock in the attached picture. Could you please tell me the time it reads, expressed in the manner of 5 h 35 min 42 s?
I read 6 h 14 min 09 s
